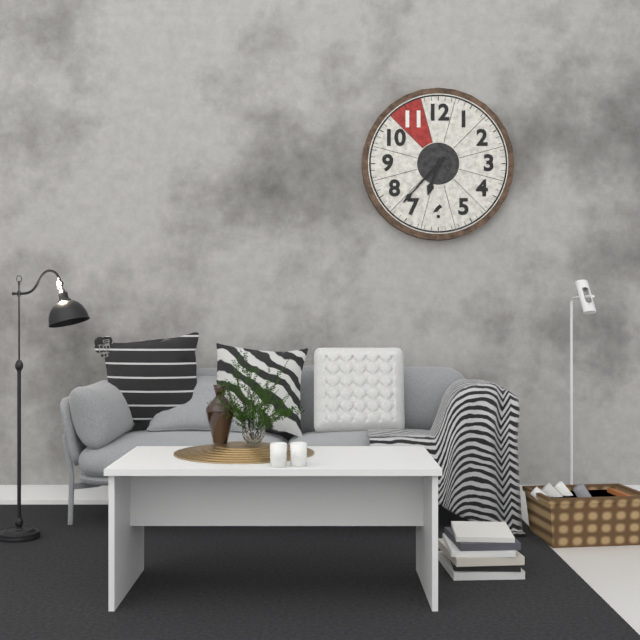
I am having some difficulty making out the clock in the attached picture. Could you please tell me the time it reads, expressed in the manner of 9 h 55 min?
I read 6 h 37 min
